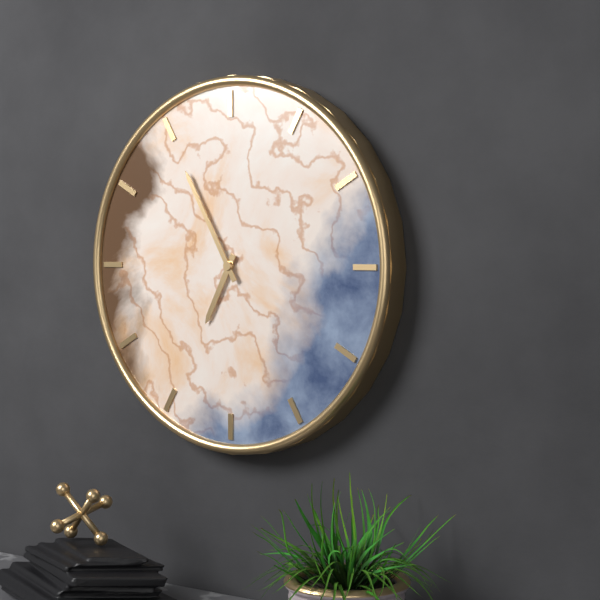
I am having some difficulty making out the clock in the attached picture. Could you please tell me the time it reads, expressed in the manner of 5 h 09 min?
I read 6 h 55 min
